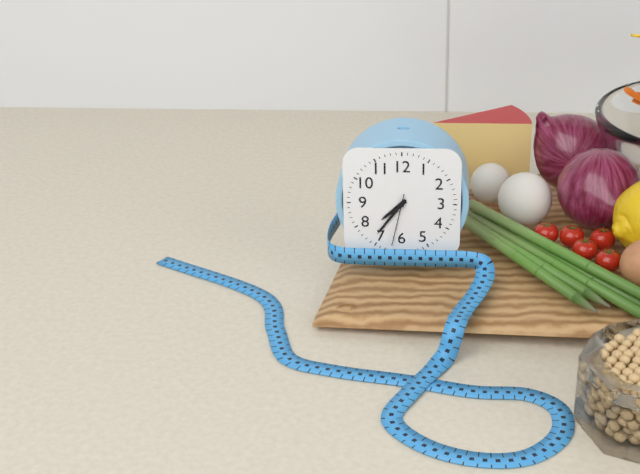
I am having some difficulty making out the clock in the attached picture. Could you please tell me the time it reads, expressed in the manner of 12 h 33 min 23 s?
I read 7 h 36 min 32 s
